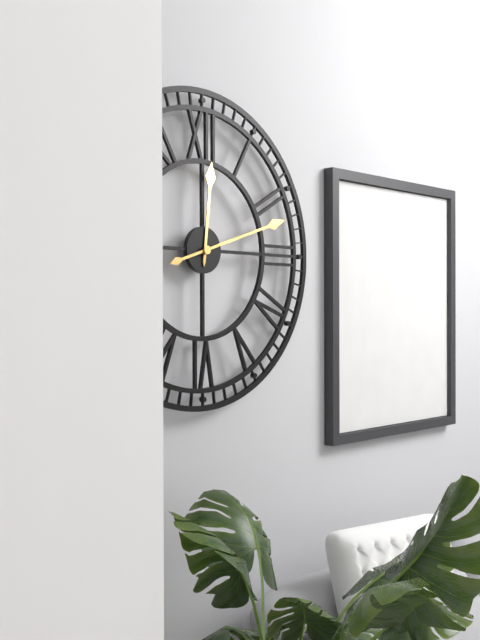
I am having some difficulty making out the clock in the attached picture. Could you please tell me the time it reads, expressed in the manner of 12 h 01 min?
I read 12 h 12 min
